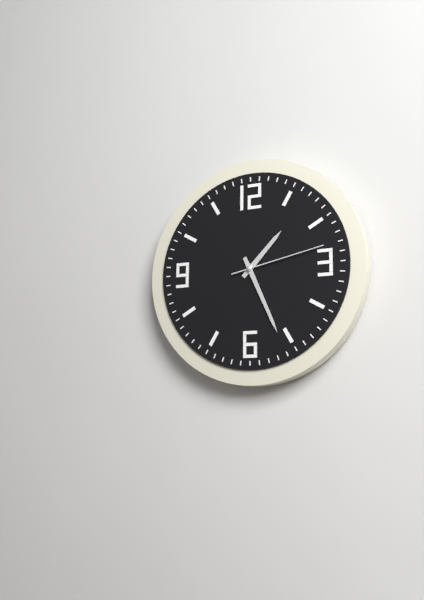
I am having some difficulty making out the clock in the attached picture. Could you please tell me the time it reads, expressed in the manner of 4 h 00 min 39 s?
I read 1 h 26 min 13 s
